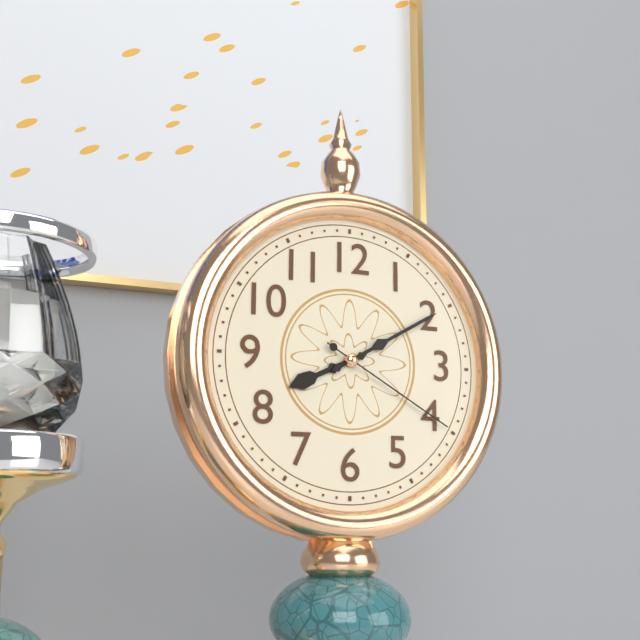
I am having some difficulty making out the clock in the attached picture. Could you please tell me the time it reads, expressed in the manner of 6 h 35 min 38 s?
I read 8 h 10 min 20 s
